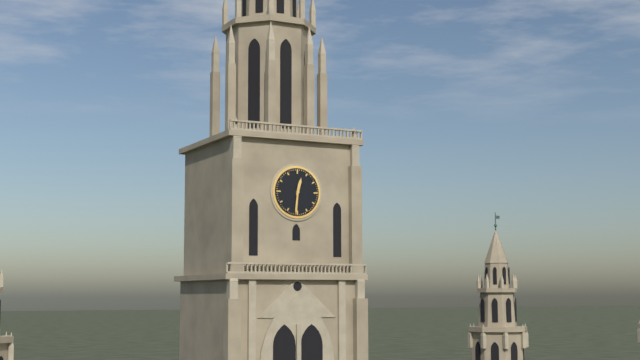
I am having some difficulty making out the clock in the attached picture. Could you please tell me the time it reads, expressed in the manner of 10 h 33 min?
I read 12 h 31 min
